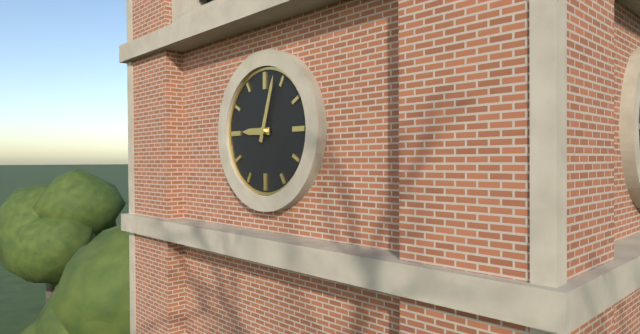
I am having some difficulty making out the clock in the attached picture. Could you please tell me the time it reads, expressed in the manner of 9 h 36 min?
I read 9 h 03 min
